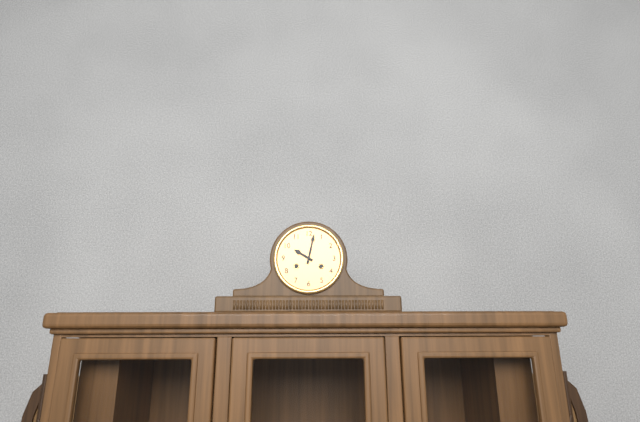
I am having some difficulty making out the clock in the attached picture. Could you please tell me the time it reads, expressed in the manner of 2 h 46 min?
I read 10 h 02 min
